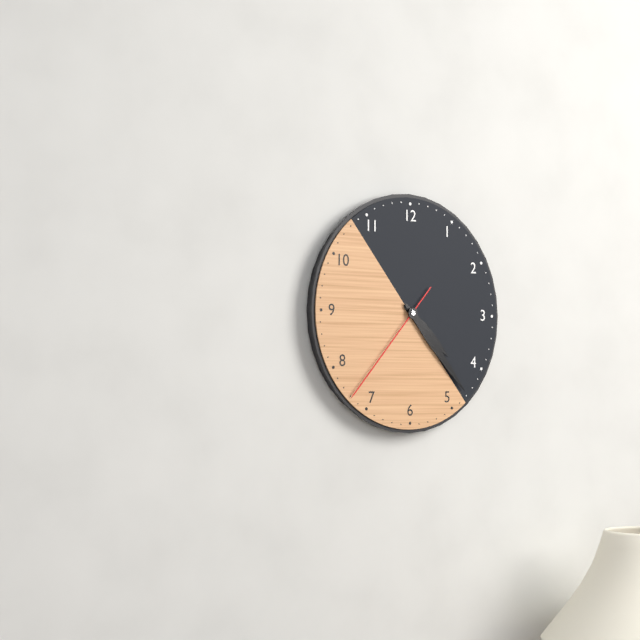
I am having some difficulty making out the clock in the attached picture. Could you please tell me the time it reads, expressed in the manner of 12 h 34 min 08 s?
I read 4 h 23 min 37 s
